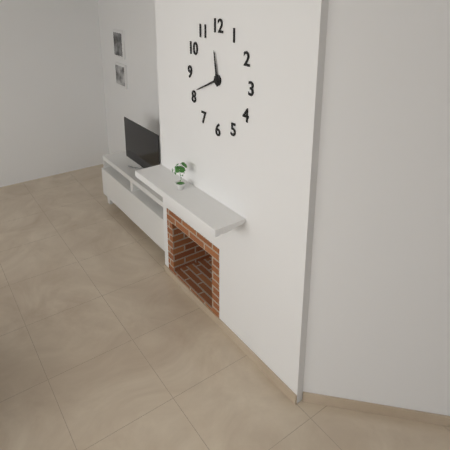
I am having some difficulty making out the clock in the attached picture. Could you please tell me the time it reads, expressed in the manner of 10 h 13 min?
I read 11 h 41 min
